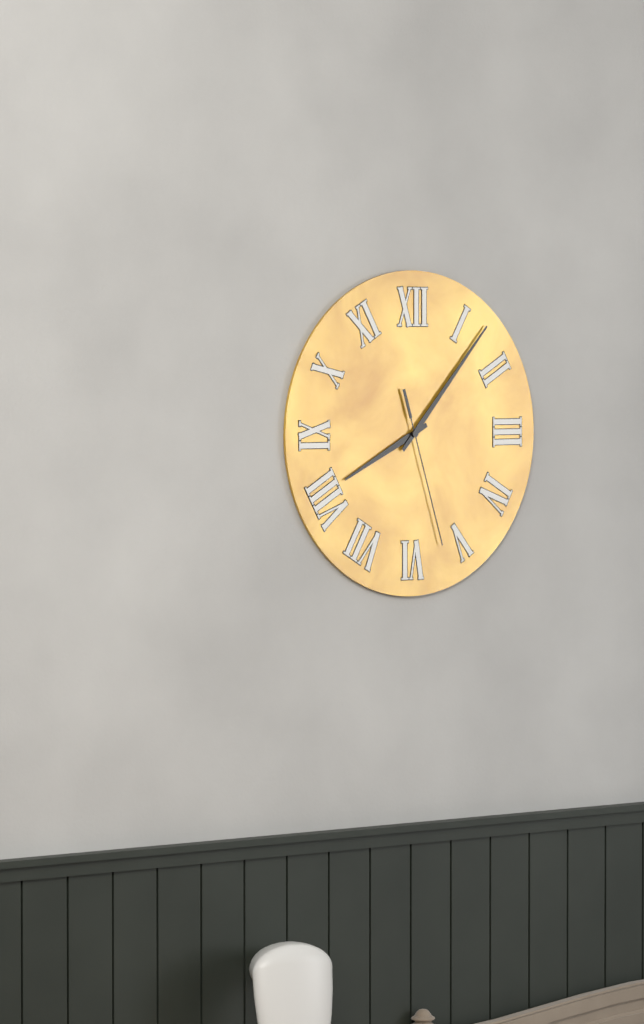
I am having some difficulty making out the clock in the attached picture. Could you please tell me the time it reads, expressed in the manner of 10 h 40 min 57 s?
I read 8 h 07 min 27 s
